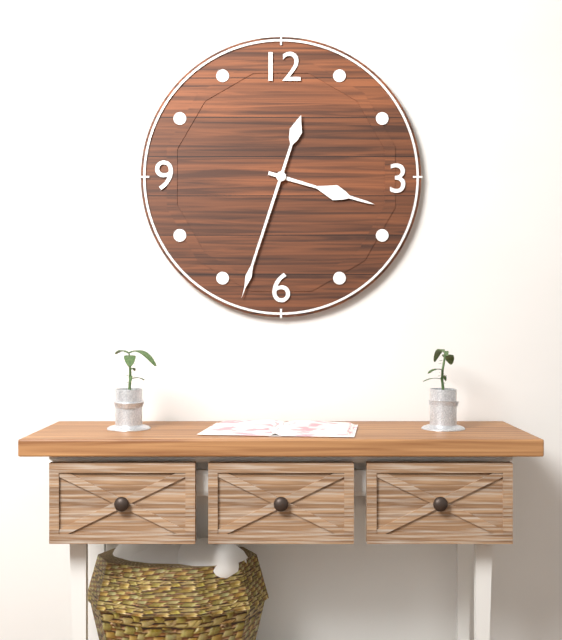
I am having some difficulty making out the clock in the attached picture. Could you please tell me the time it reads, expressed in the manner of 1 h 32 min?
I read 3 h 33 min
